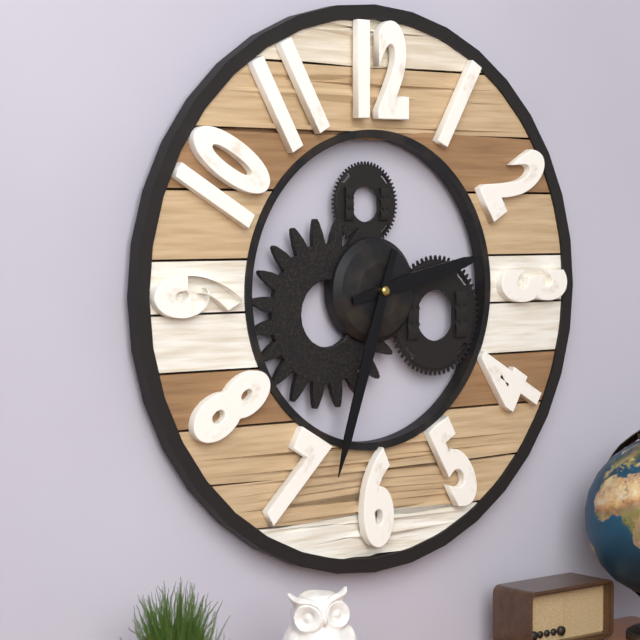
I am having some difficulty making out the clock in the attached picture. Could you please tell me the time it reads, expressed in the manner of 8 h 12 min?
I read 2 h 33 min
